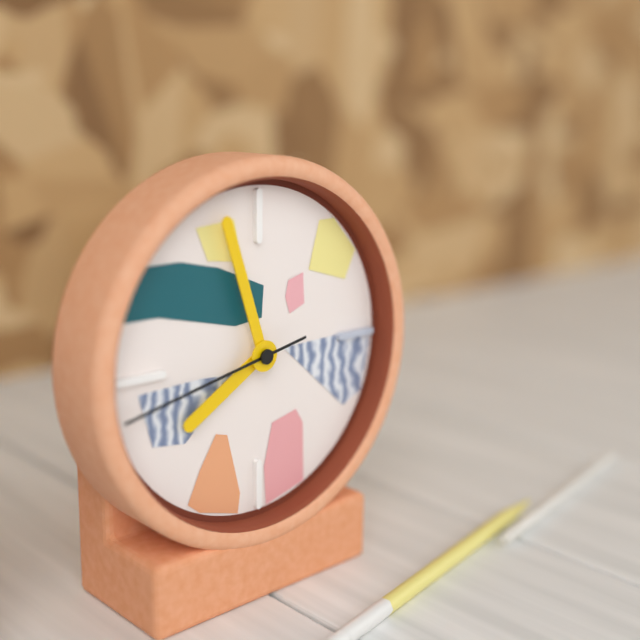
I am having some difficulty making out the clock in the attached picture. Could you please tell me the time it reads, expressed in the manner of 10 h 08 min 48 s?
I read 7 h 57 min 43 s
